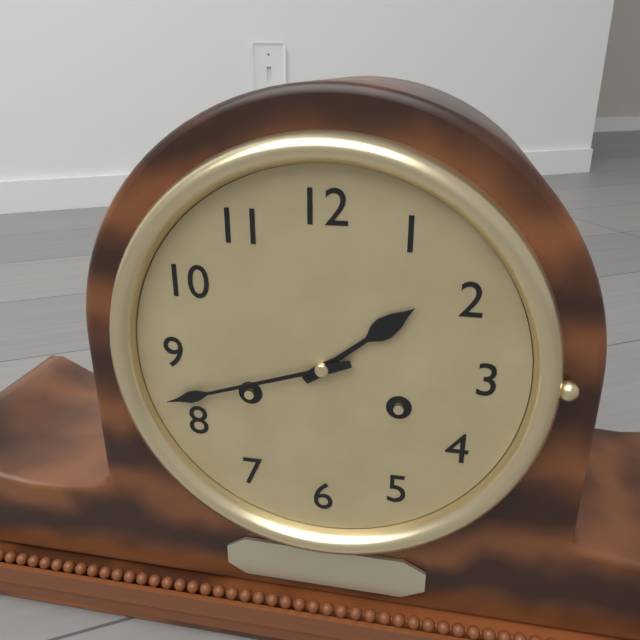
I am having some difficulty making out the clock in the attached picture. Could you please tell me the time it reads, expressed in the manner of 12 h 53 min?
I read 1 h 42 min
